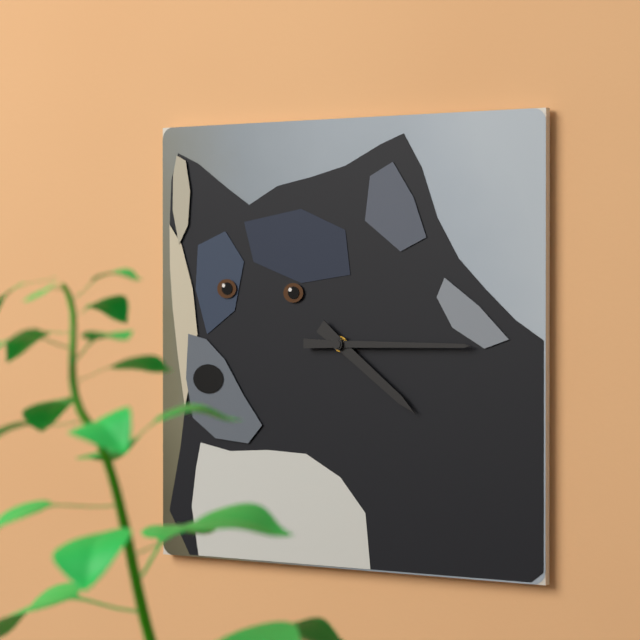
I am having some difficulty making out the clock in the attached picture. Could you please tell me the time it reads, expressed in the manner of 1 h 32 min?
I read 4 h 15 min
